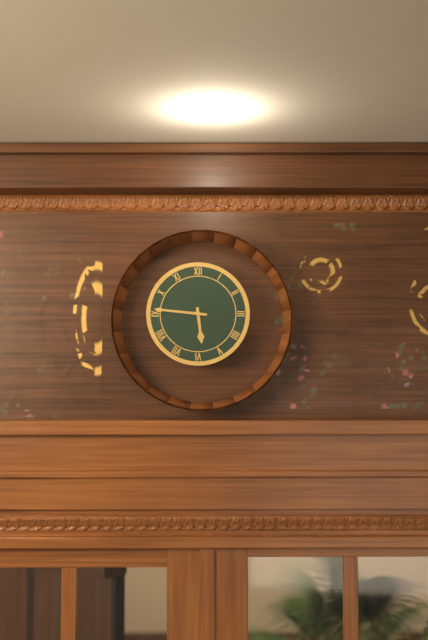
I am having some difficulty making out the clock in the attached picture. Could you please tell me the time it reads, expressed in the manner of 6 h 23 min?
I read 5 h 46 min
